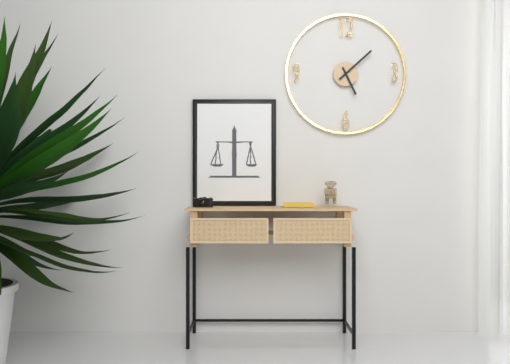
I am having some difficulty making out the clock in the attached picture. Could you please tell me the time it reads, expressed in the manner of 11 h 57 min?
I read 5 h 08 min
